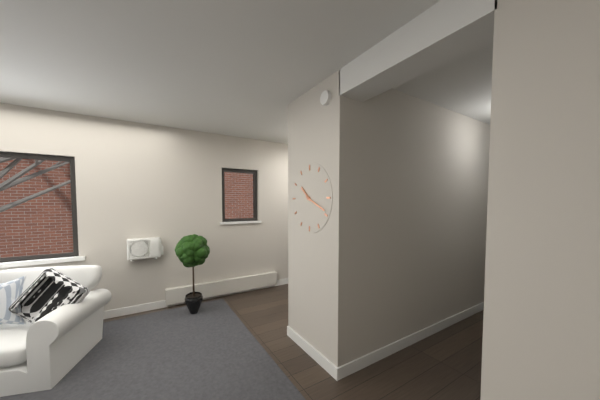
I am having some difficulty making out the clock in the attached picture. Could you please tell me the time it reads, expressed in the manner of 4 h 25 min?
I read 10 h 19 min
